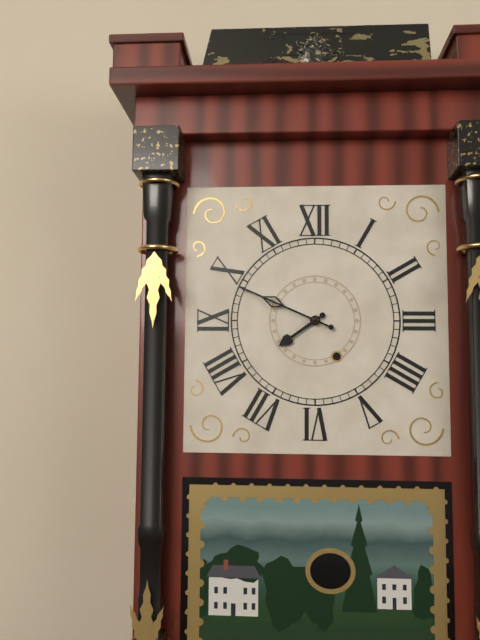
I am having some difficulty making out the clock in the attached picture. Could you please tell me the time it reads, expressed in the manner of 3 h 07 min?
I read 7 h 49 min
